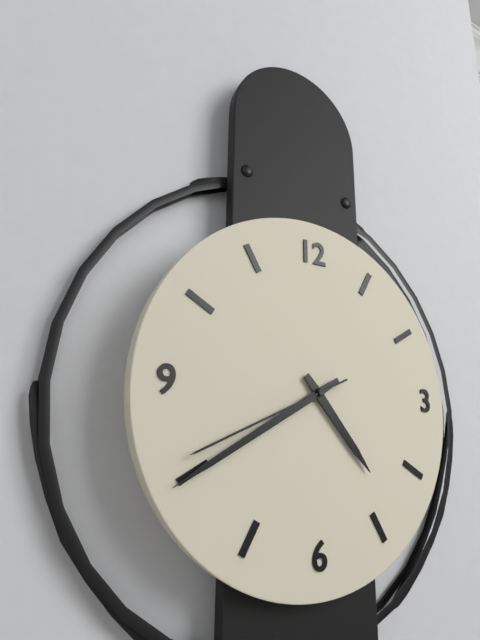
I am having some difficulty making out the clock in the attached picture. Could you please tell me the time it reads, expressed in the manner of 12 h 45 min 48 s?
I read 4 h 40 min 41 s
